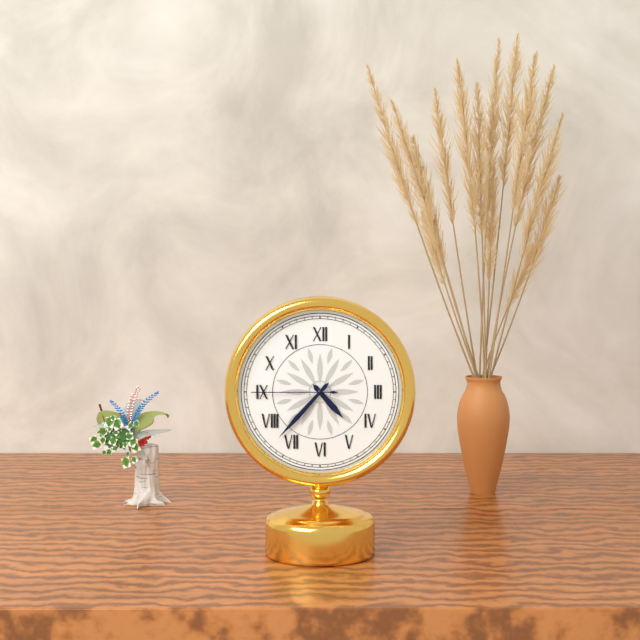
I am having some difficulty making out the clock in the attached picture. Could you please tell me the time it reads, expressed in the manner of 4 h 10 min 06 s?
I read 4 h 37 min 45 s
